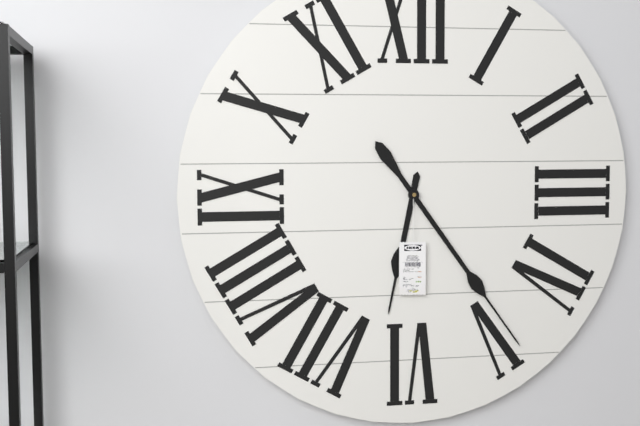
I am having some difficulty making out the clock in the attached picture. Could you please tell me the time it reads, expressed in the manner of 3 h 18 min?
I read 6 h 24 min
